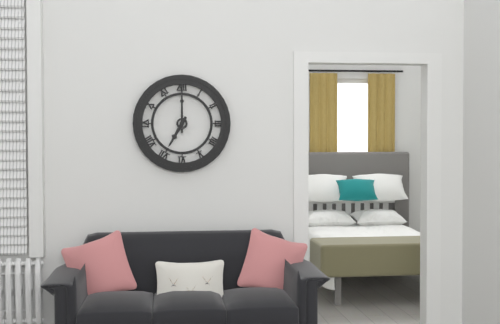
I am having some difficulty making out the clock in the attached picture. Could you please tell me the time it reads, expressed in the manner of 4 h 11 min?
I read 7 h 00 min
